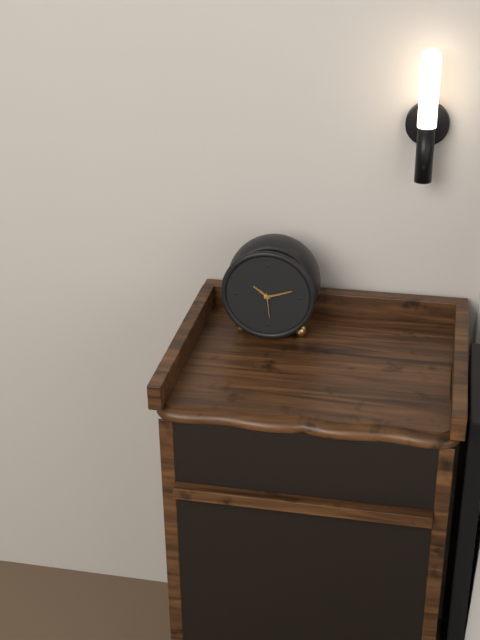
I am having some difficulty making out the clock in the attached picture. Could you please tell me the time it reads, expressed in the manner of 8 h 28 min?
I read 10 h 12 min
